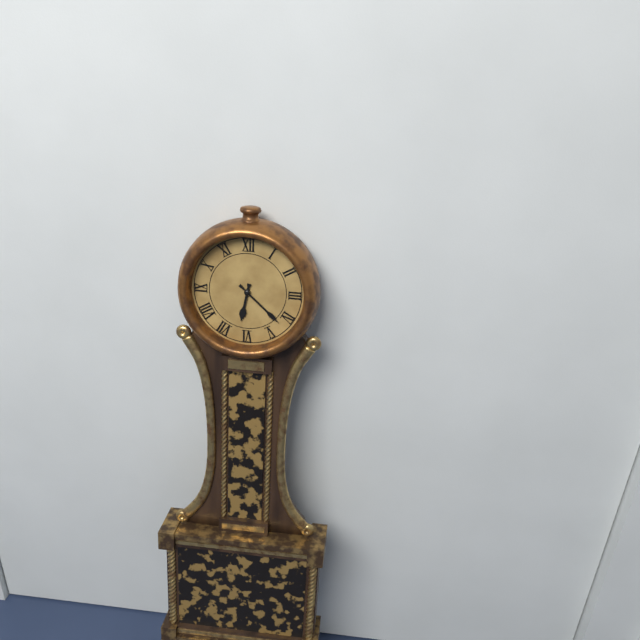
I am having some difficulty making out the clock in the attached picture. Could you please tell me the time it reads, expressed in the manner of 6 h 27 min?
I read 6 h 22 min
